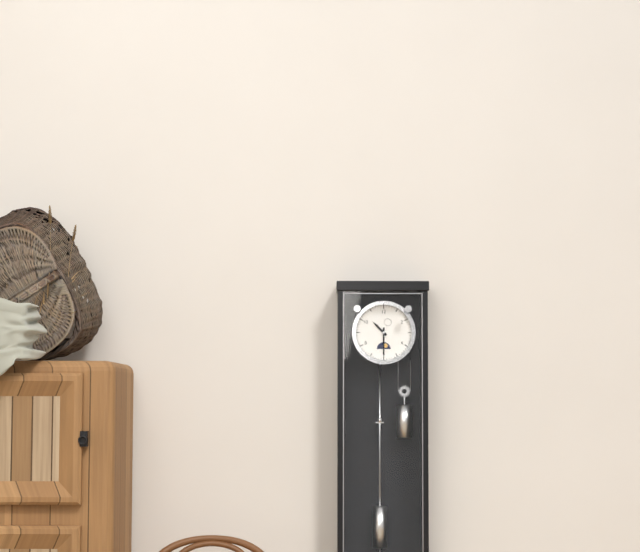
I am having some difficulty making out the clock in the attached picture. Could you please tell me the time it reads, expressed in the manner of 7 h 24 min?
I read 10 h 30 min
